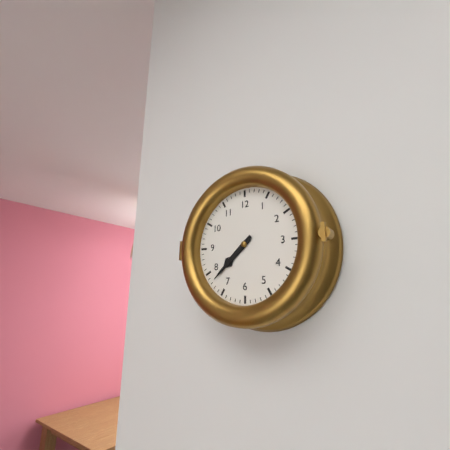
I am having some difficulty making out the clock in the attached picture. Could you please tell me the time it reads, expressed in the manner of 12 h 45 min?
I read 7 h 38 min
